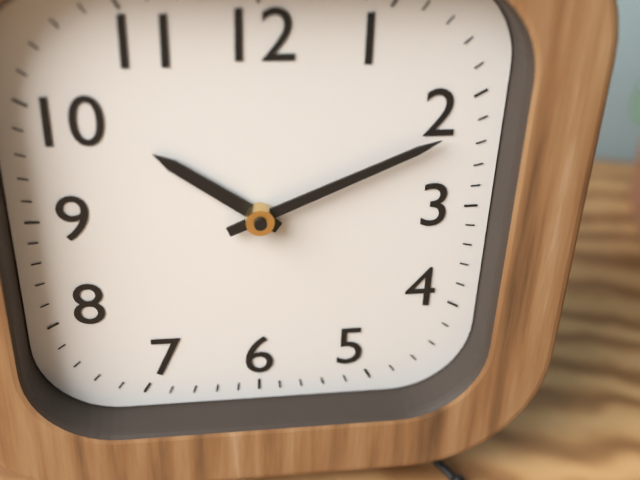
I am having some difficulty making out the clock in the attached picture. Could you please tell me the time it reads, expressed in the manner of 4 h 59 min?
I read 10 h 11 min
